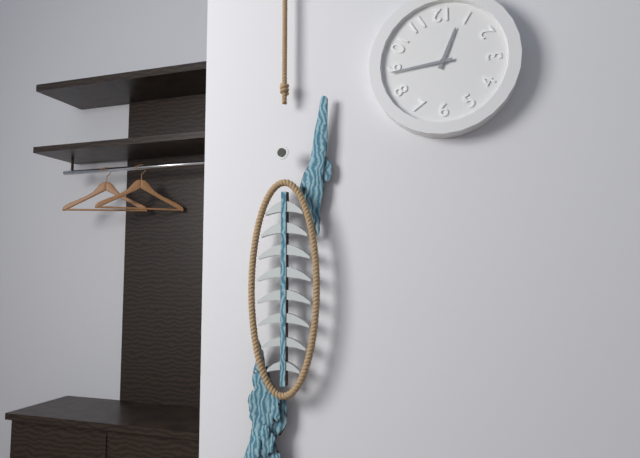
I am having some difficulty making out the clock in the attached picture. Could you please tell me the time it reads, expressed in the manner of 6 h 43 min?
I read 12 h 44 min
